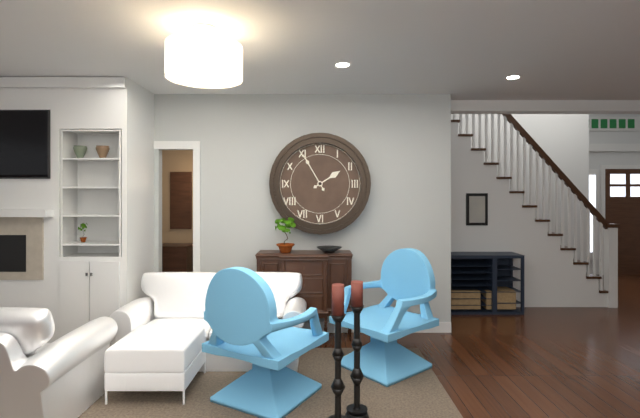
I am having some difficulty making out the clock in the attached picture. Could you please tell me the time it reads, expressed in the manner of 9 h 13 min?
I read 1 h 55 min
